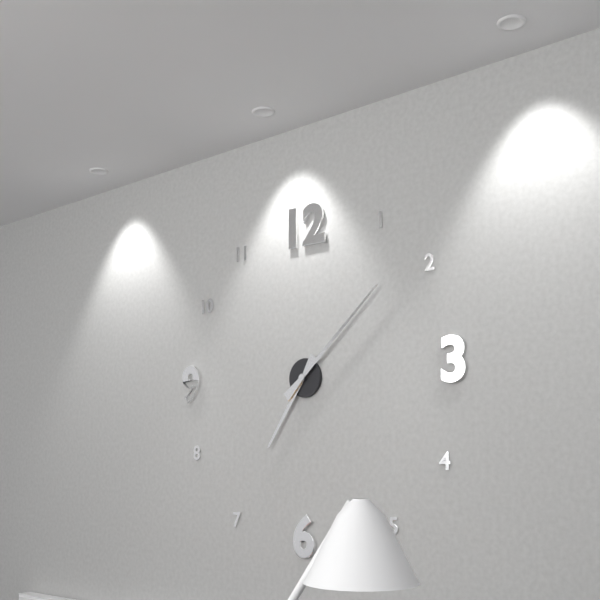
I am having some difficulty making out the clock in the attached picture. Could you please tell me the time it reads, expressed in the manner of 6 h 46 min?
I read 7 h 08 min
